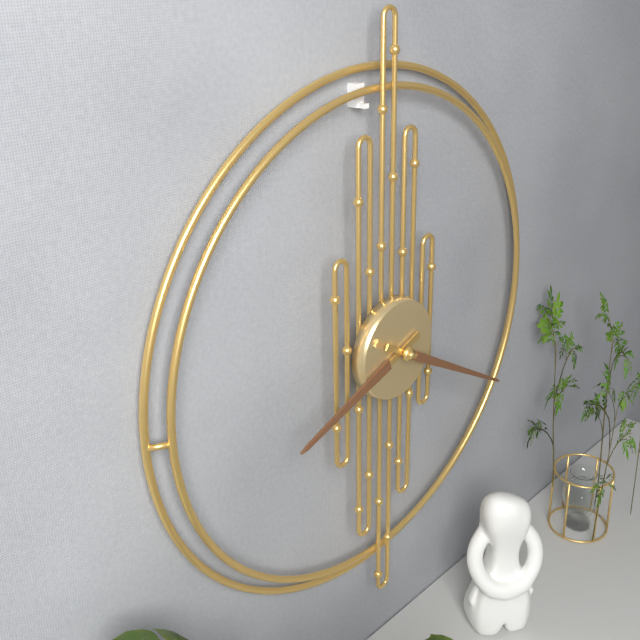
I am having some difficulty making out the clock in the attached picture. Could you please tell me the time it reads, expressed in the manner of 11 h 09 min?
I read 8 h 20 min
